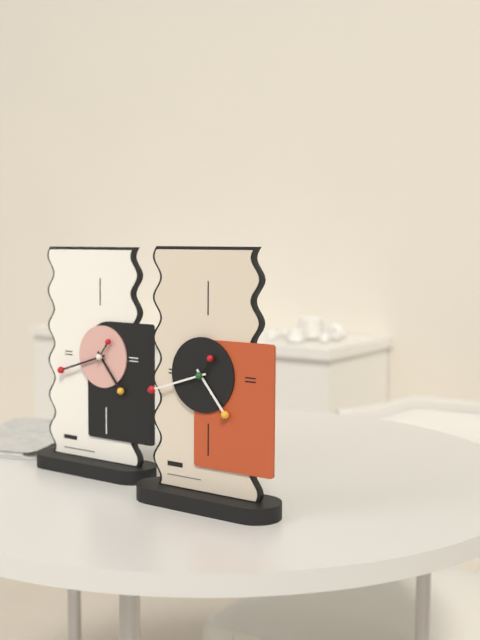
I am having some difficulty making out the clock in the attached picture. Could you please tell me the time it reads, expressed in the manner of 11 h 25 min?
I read 4 h 42 min
